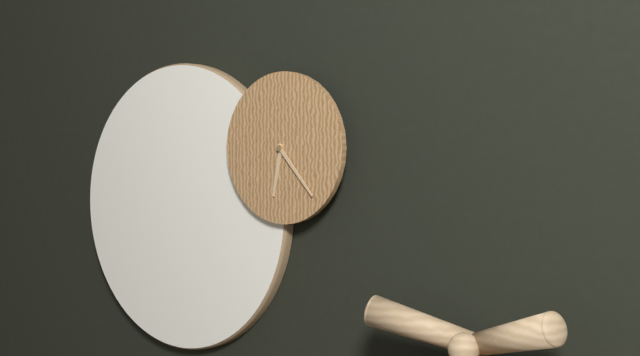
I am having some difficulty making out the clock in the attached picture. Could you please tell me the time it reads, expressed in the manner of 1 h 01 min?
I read 6 h 23 min
